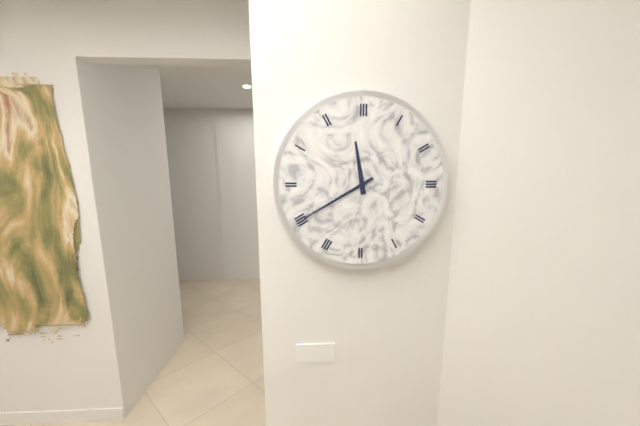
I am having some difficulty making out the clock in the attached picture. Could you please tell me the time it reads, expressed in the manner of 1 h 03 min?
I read 11 h 40 min
